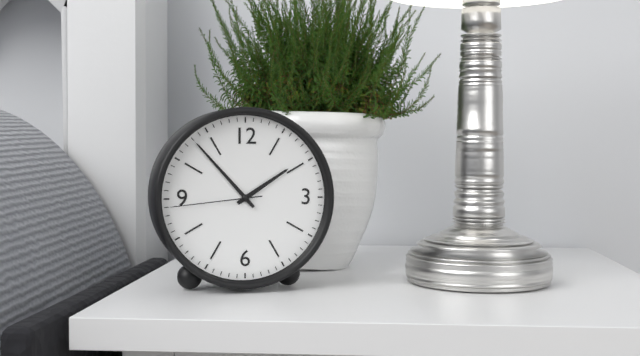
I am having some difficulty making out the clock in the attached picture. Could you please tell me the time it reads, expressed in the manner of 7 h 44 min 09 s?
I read 1 h 53 min 44 s
